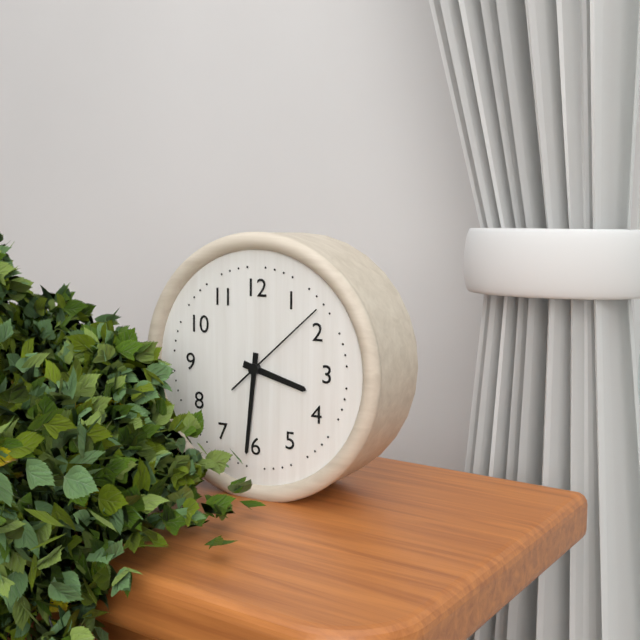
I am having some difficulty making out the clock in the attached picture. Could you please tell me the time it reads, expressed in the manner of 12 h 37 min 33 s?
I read 3 h 31 min 08 s
